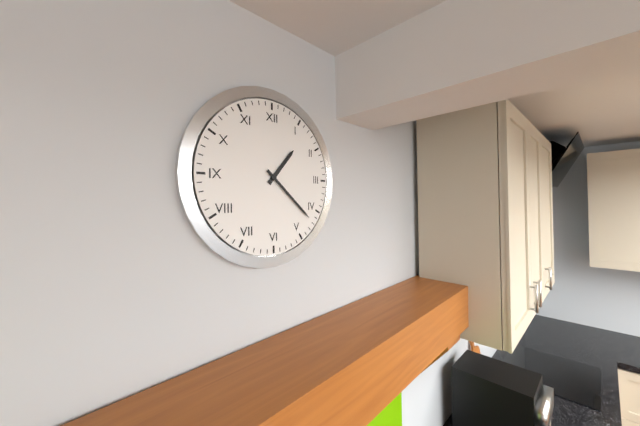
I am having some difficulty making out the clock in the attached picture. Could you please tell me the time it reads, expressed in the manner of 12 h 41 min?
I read 1 h 22 min
